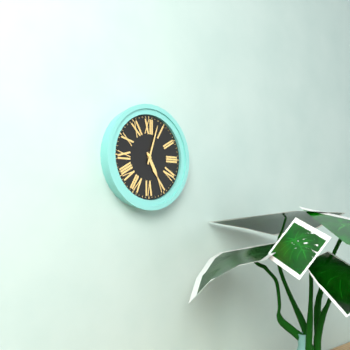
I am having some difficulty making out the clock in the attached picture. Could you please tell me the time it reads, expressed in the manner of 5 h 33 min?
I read 5 h 03 min
